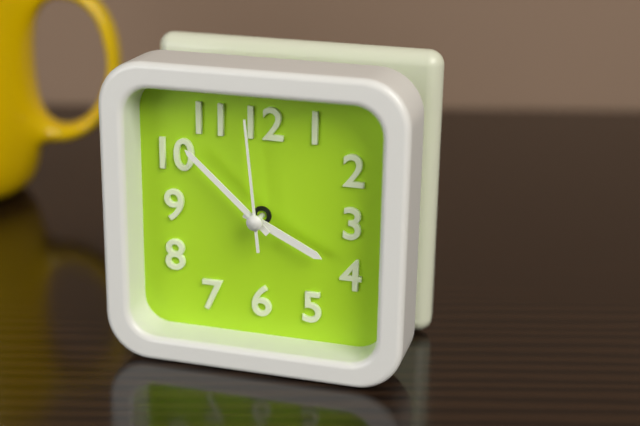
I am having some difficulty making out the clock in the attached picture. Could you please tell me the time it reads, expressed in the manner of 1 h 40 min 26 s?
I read 3 h 52 min 59 s
